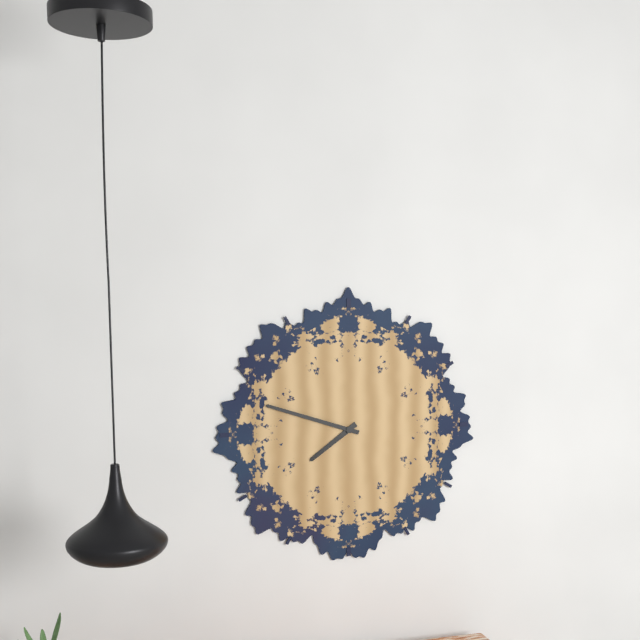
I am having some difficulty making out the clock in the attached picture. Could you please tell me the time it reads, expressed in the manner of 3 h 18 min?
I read 7 h 48 min
